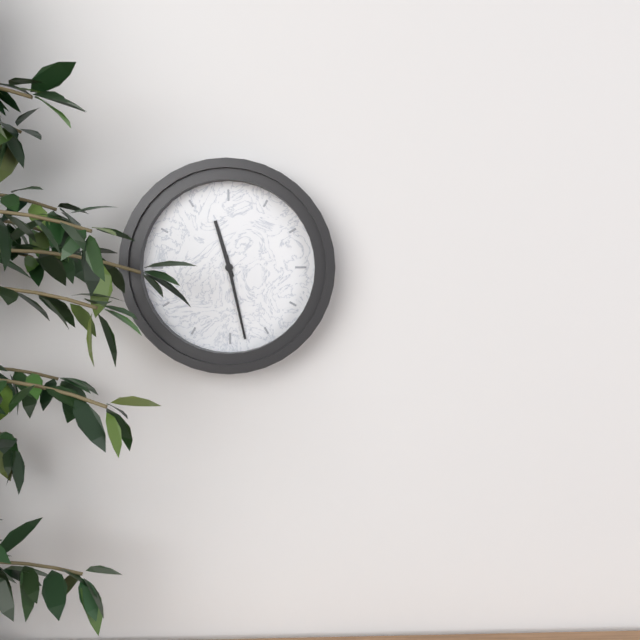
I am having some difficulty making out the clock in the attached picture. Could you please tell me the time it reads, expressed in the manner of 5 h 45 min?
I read 11 h 28 min
